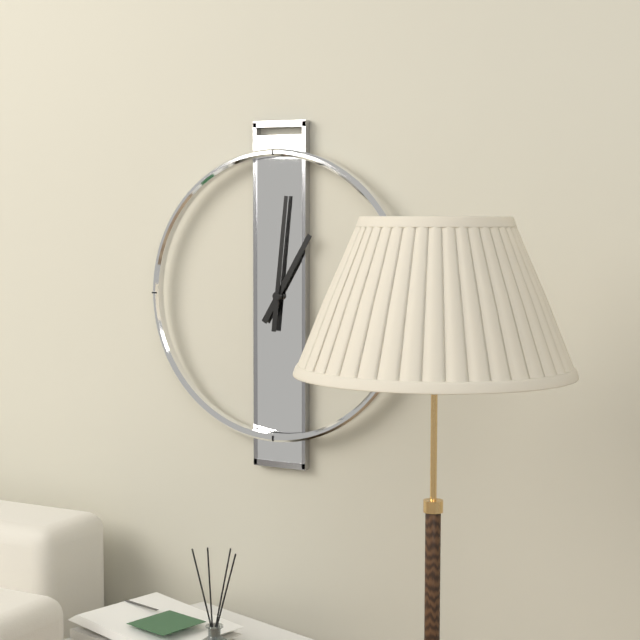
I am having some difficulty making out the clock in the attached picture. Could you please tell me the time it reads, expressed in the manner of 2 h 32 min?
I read 1 h 01 min
